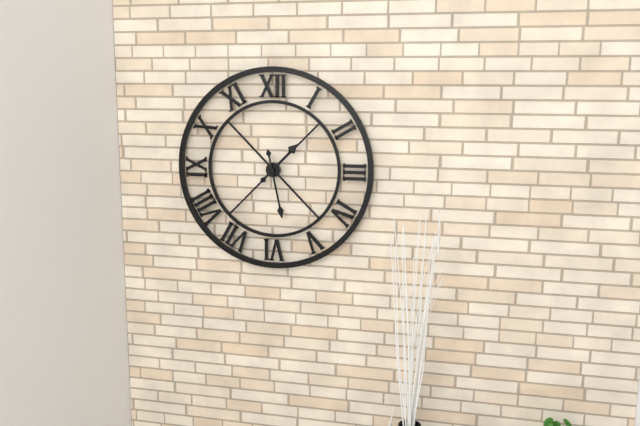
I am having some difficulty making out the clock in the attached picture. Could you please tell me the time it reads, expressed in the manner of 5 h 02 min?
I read 1 h 28 min
